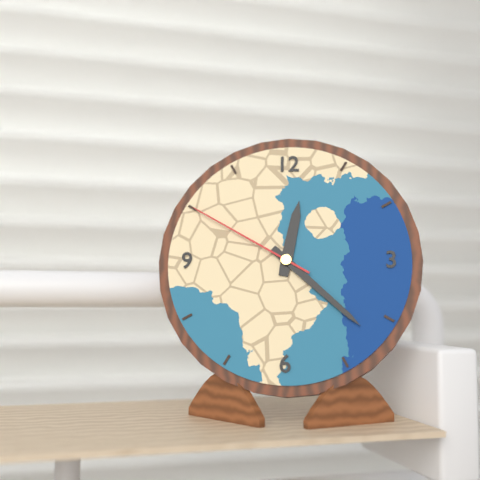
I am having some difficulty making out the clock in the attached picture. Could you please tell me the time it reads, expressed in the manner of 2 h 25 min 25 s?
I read 12 h 22 min 50 s
